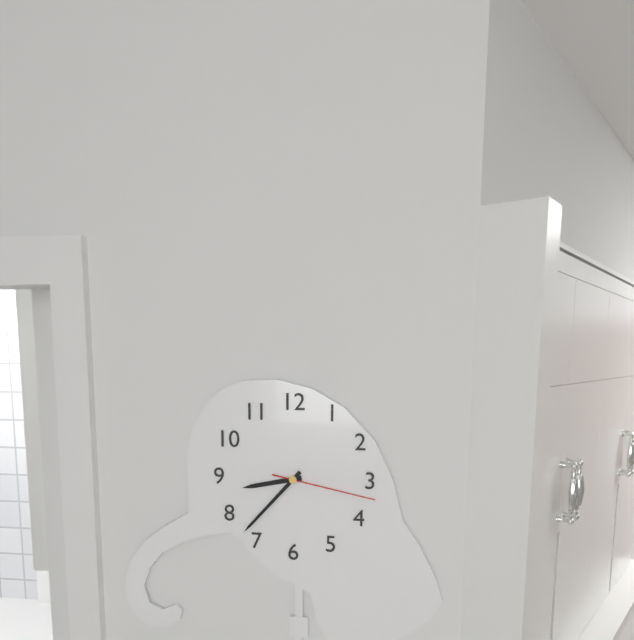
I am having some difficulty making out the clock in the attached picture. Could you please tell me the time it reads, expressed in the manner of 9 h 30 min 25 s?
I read 8 h 37 min 17 s
